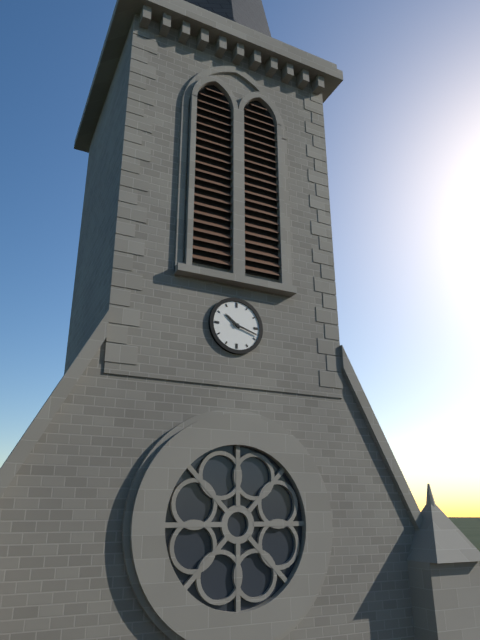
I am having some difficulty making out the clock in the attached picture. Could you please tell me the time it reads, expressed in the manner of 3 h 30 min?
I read 10 h 18 min
